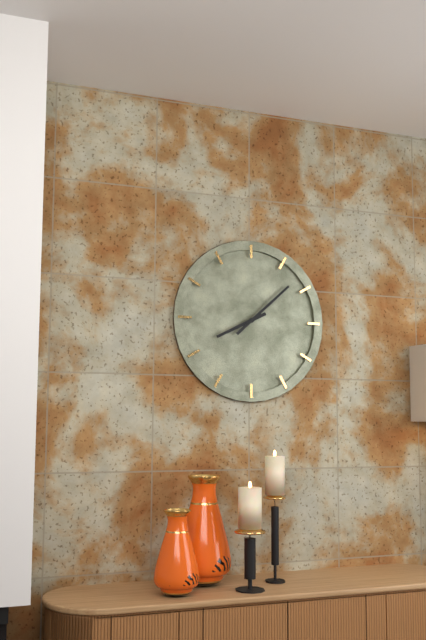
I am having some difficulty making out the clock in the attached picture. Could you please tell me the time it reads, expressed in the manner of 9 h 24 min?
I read 8 h 08 min
